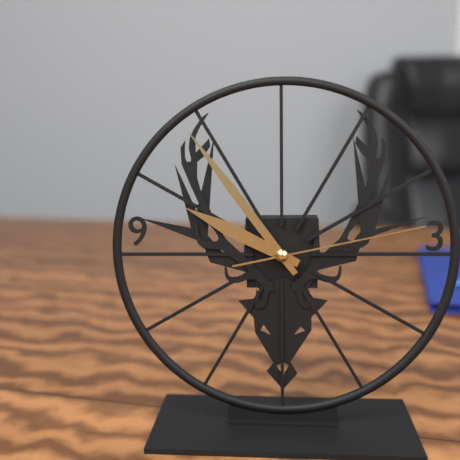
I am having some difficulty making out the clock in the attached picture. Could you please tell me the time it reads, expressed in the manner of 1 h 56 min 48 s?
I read 9 h 54 min 13 s
